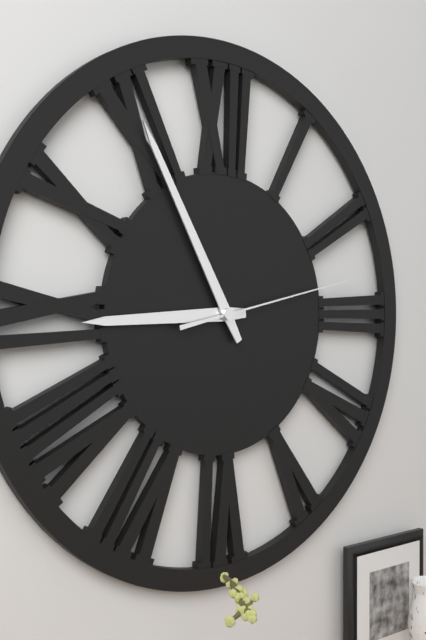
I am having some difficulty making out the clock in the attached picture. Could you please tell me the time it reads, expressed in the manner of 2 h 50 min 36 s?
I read 8 h 55 min 13 s
